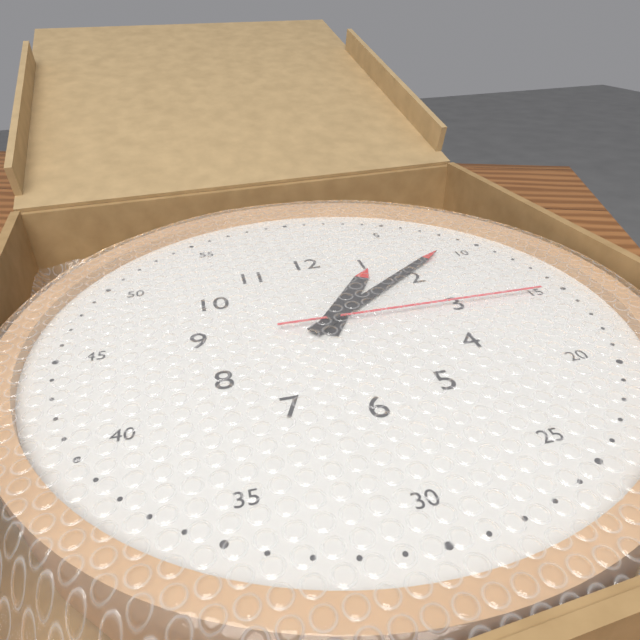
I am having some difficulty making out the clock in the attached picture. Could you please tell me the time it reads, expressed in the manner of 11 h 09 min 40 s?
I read 1 h 09 min 15 s
